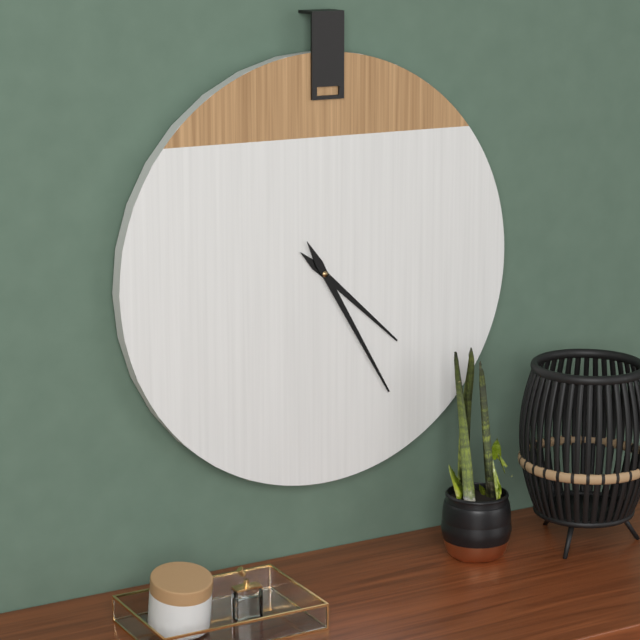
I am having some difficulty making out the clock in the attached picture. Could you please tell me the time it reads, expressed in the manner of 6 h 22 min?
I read 4 h 25 min
